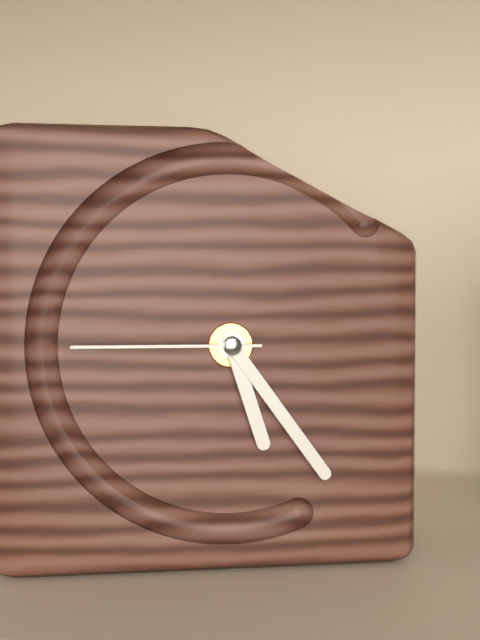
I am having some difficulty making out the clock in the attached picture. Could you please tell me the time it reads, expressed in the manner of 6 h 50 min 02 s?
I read 5 h 24 min 45 s
